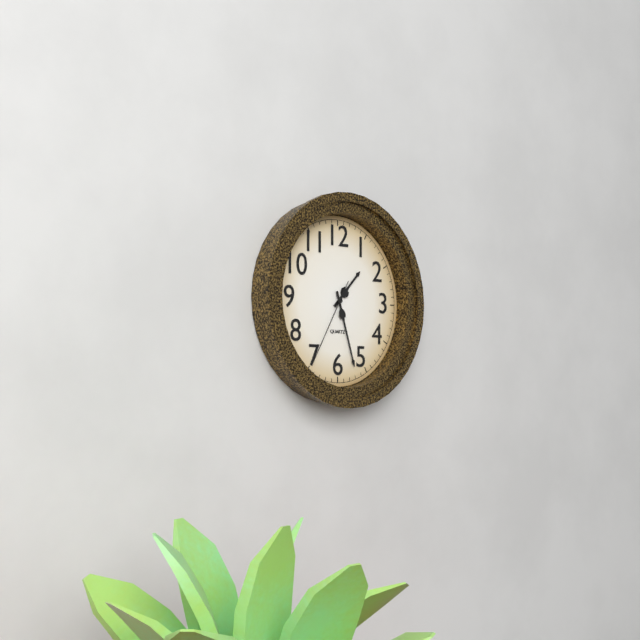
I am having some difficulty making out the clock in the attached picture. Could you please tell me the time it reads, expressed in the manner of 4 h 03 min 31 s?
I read 1 h 27 min 35 s
